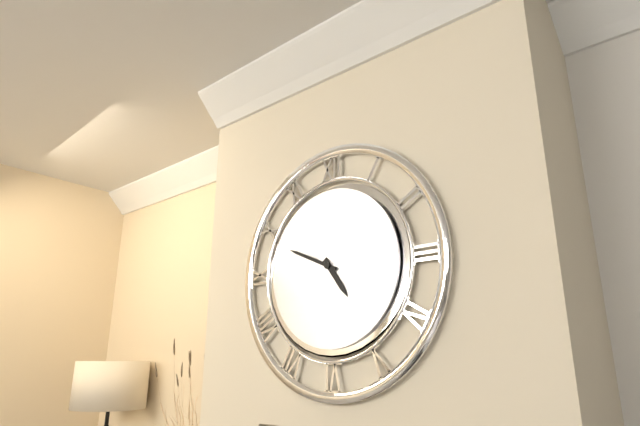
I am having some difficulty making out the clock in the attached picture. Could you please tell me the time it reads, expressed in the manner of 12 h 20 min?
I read 4 h 49 min
